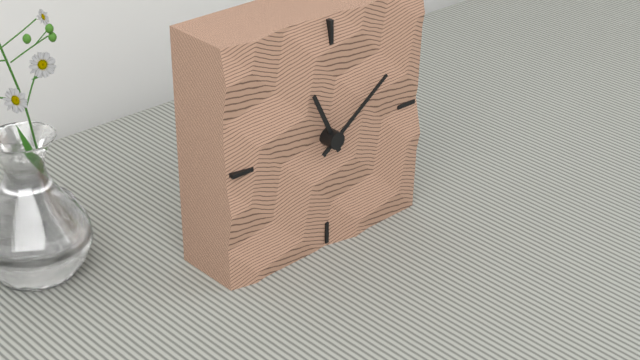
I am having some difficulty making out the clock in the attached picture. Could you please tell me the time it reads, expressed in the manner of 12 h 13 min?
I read 11 h 09 min
